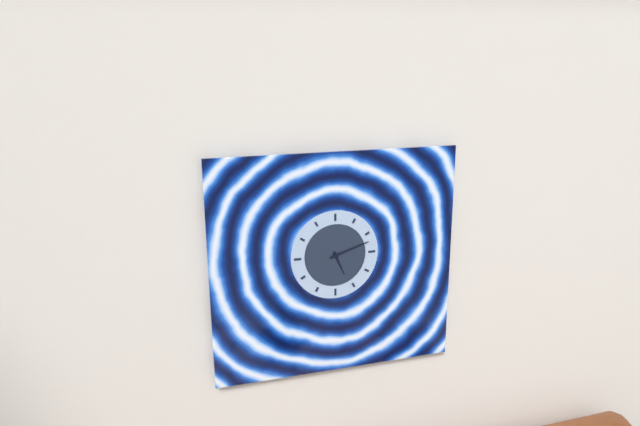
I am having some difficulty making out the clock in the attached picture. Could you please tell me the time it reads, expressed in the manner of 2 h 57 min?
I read 5 h 12 min
